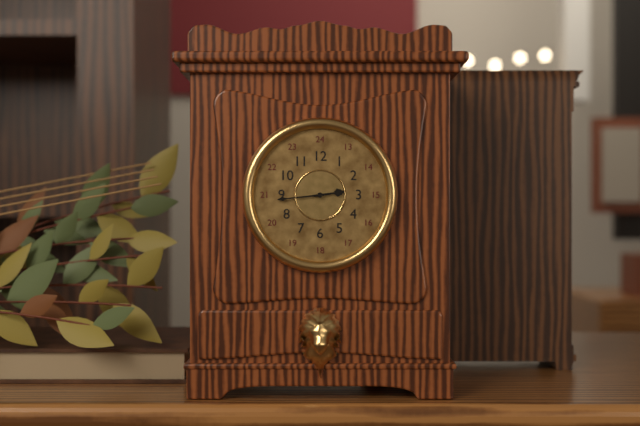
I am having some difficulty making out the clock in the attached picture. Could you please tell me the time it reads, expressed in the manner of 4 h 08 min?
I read 2 h 44 min
